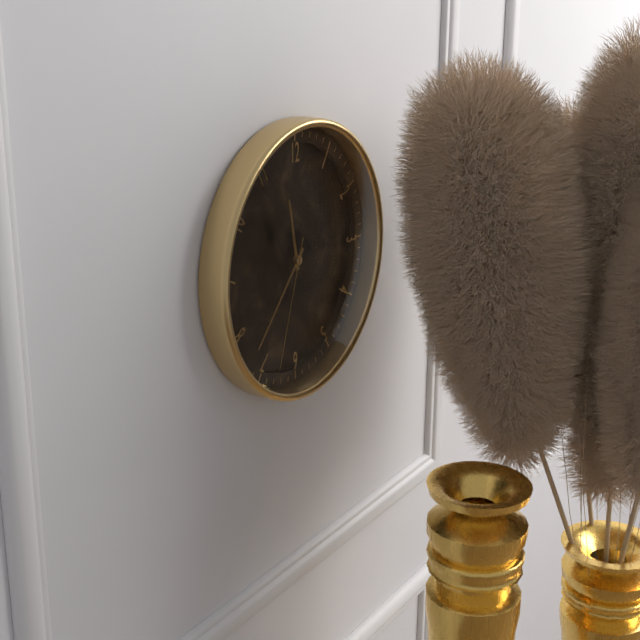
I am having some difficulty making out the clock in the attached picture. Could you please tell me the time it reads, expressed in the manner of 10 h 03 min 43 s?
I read 11 h 37 min 33 s
